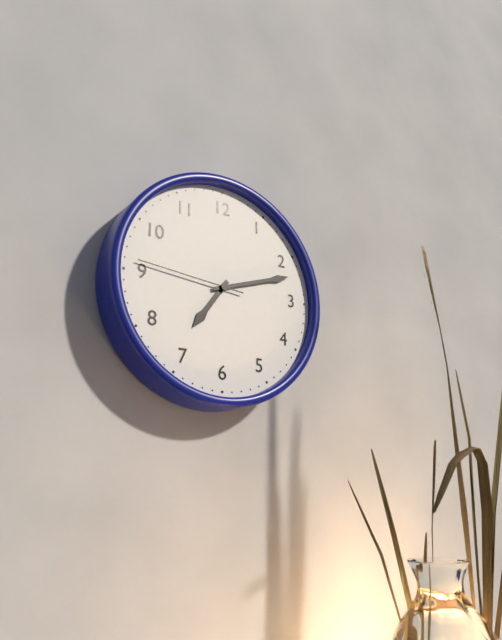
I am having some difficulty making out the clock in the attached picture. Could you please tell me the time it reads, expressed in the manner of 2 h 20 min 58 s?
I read 7 h 12 min 46 s
